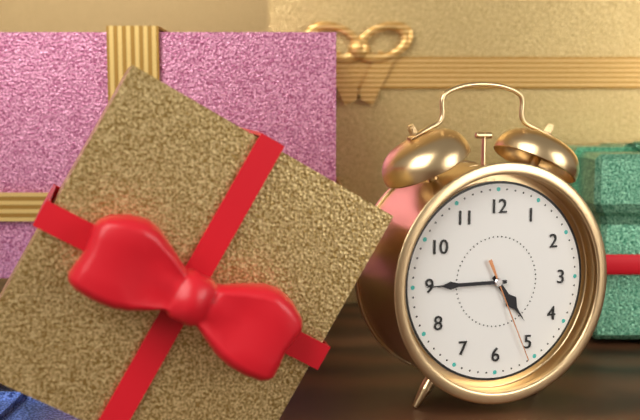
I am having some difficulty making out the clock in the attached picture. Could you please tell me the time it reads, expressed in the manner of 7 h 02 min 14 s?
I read 4 h 45 min 26 s
